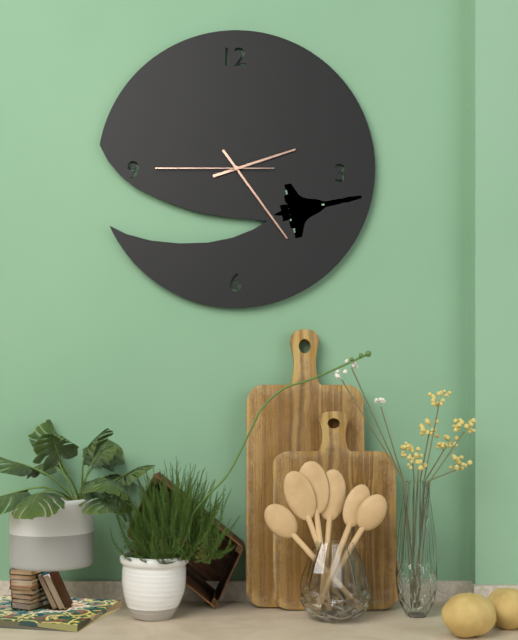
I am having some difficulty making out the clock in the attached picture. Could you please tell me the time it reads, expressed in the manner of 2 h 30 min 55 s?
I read 2 h 24 min 45 s
